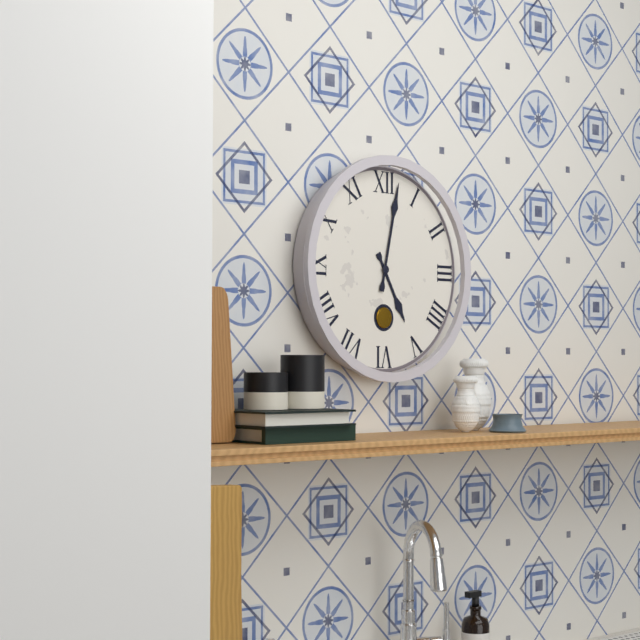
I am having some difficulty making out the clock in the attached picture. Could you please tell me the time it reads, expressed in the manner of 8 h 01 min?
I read 5 h 02 min
